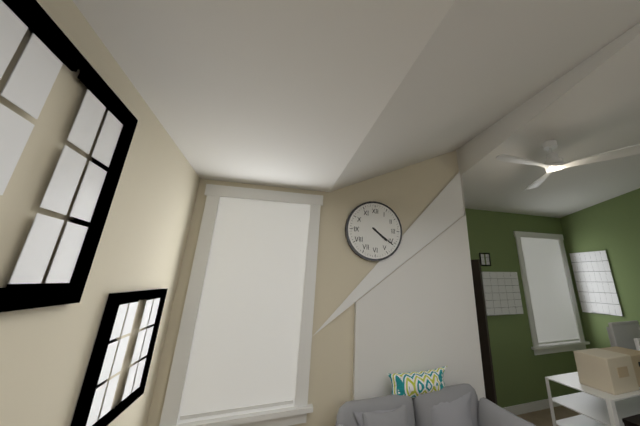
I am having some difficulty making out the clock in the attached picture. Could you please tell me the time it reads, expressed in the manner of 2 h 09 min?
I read 4 h 21 min
